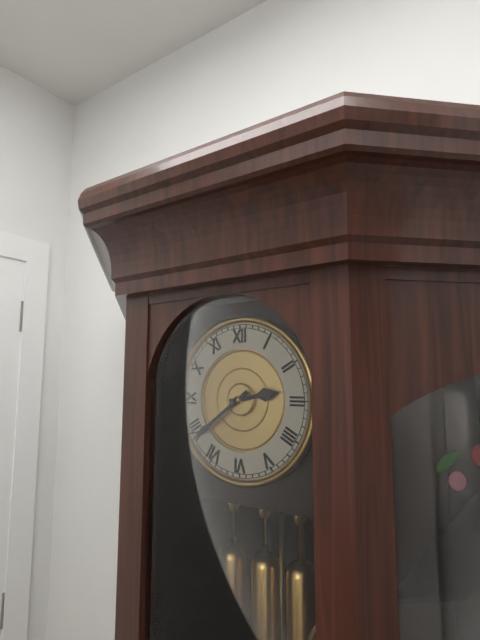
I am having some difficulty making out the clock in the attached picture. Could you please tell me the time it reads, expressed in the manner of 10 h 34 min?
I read 2 h 39 min
